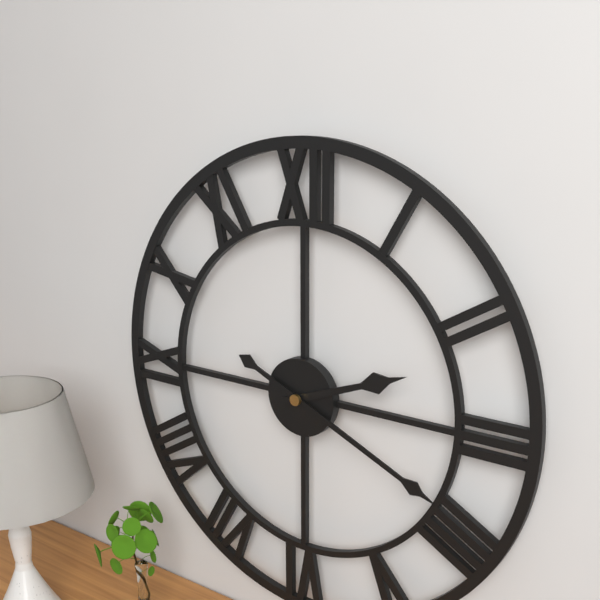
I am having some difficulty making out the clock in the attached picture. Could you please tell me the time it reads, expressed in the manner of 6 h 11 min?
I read 2 h 19 min
